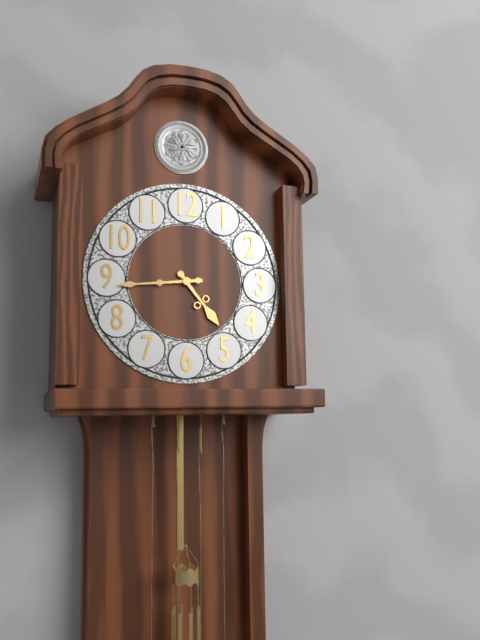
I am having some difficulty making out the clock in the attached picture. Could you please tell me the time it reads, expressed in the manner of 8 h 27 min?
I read 4 h 44 min
